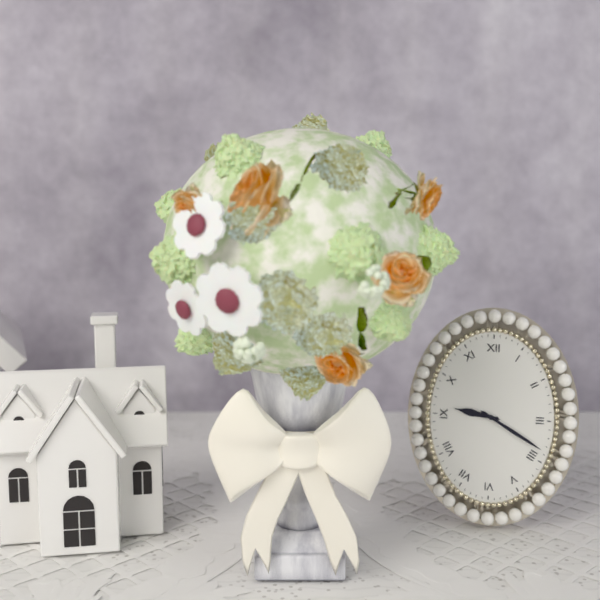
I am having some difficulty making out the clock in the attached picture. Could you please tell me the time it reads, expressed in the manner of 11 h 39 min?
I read 9 h 20 min
